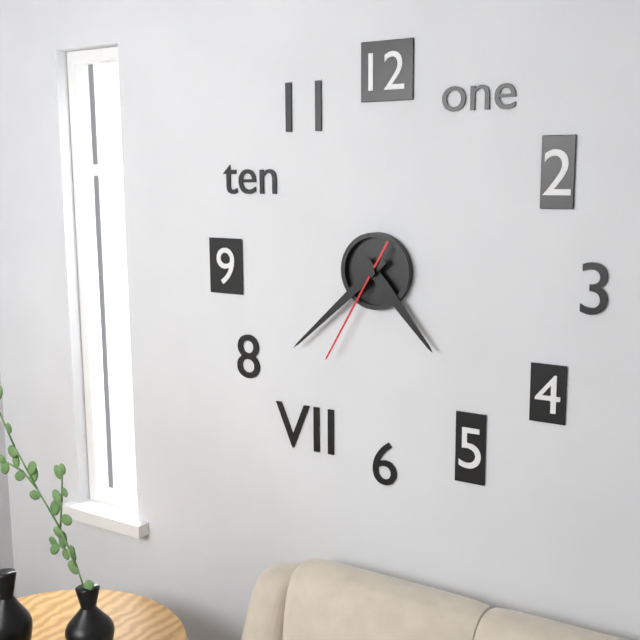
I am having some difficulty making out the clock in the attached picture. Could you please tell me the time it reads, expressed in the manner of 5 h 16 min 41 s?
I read 4 h 38 min 35 s
